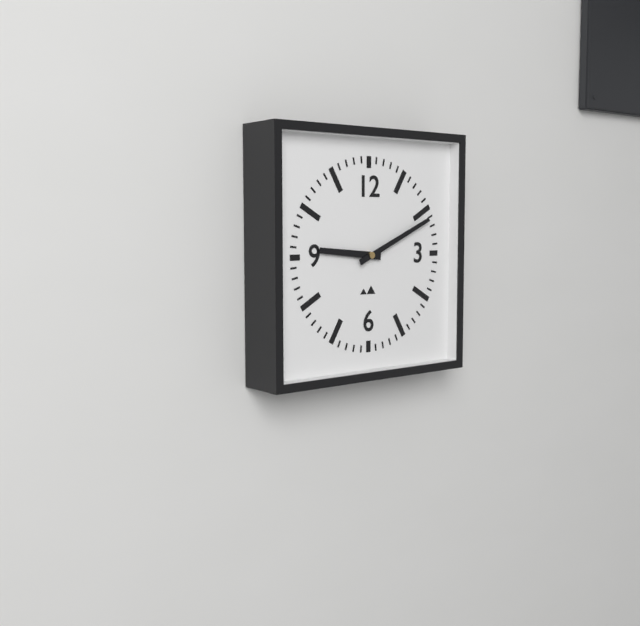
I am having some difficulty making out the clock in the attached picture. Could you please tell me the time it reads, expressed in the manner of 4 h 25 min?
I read 9 h 11 min
